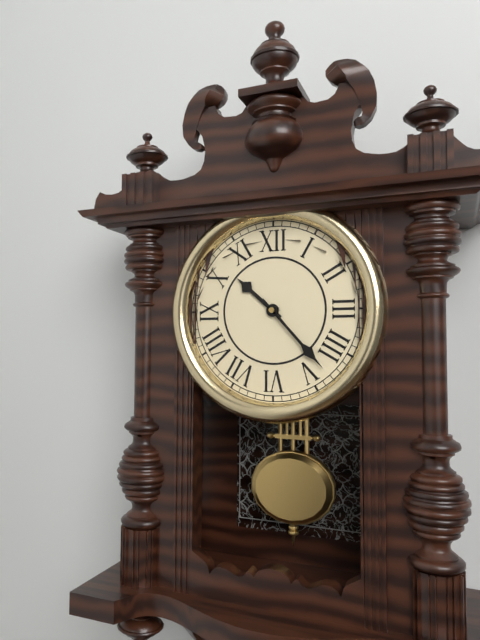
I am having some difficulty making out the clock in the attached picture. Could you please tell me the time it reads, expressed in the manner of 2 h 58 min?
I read 10 h 23 min
